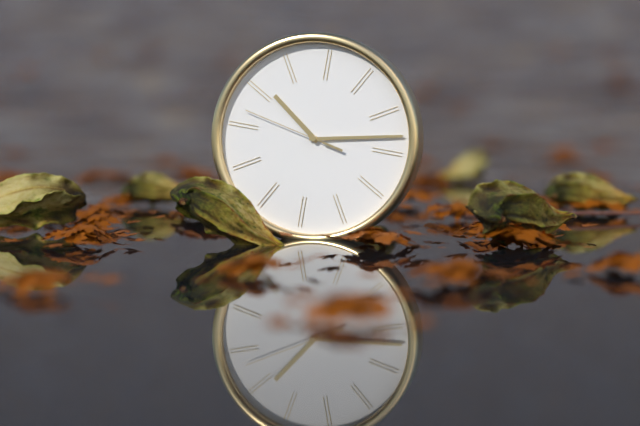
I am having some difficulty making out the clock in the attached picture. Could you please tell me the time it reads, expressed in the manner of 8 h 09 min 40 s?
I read 10 h 13 min 47 s
